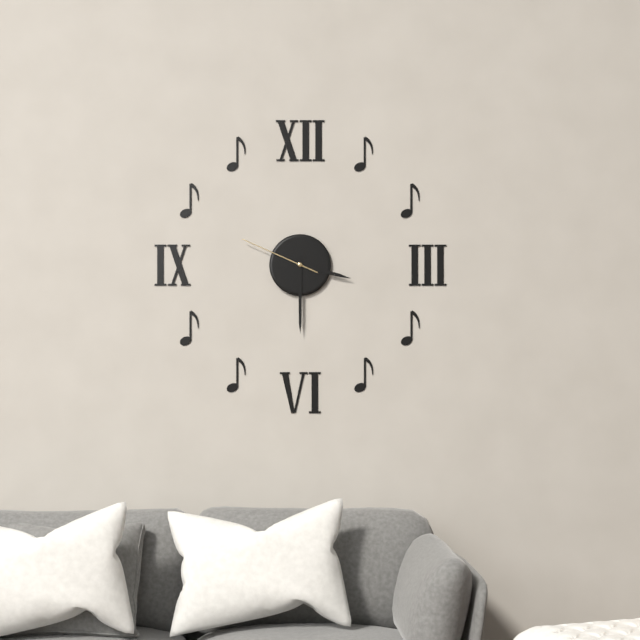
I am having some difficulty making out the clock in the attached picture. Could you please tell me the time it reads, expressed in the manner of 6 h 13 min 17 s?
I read 3 h 30 min 49 s
